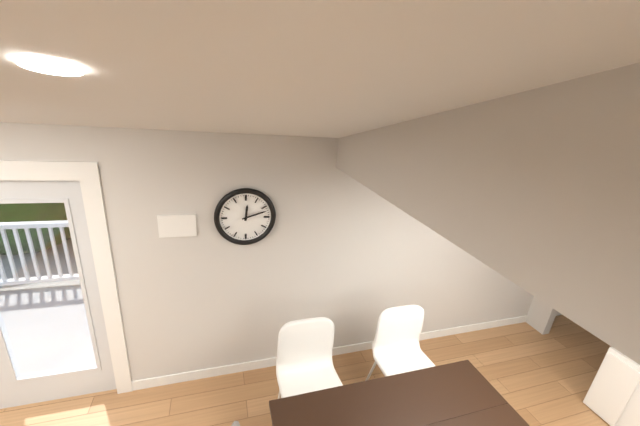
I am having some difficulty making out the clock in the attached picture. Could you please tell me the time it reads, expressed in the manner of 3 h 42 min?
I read 12 h 12 min
